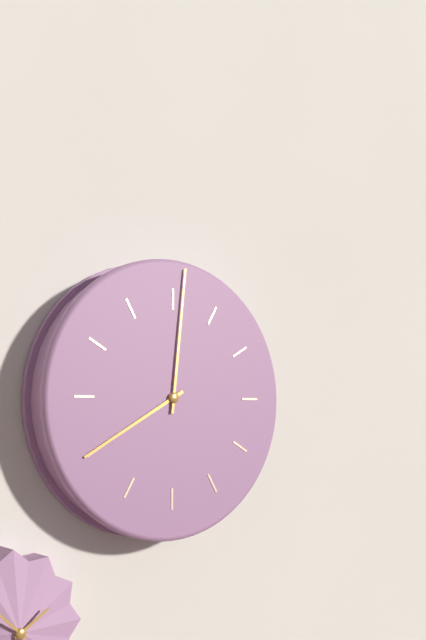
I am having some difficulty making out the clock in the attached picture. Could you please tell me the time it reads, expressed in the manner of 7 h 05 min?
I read 8 h 01 min
